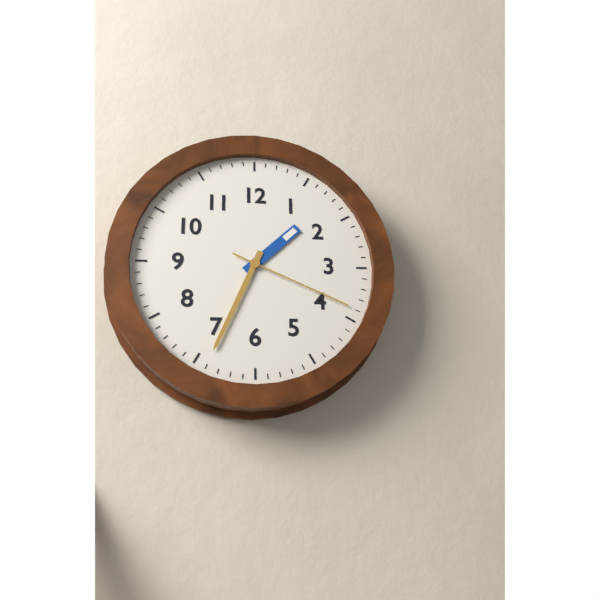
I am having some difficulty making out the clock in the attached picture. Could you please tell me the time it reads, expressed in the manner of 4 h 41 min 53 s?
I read 1 h 34 min 19 s
